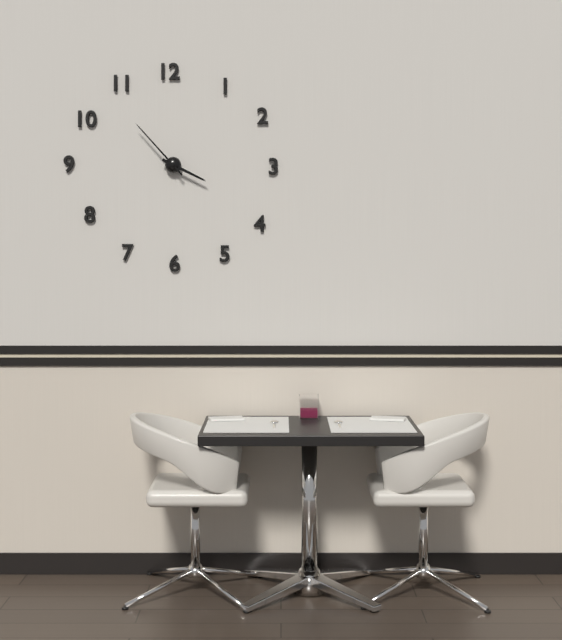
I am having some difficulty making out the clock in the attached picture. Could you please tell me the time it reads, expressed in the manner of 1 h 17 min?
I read 3 h 53 min
